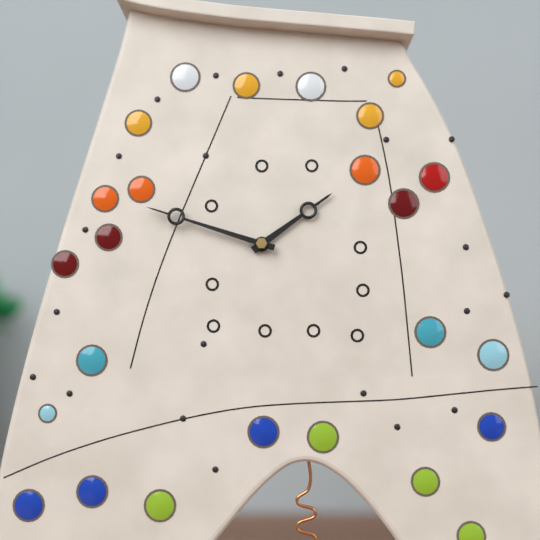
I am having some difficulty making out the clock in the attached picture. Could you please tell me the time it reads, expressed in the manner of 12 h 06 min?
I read 1 h 48 min
